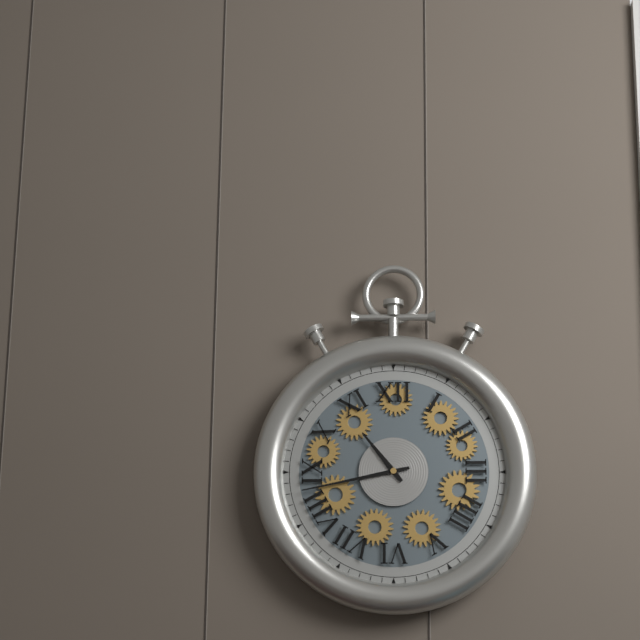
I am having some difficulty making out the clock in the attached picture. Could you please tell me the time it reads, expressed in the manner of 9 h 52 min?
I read 10 h 43 min
